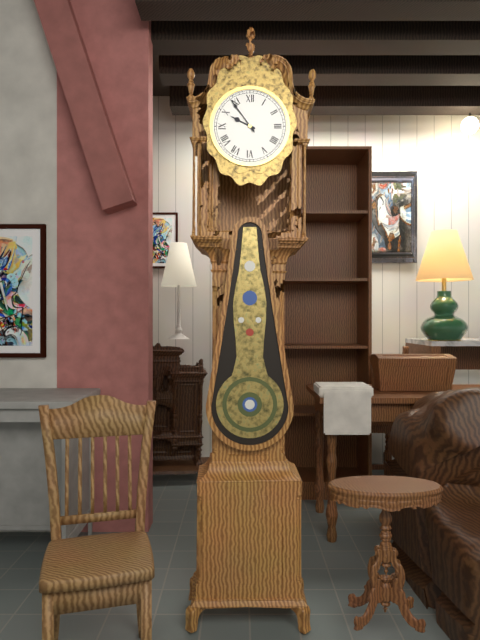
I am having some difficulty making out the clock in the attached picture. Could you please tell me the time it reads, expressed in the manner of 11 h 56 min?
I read 9 h 54 min
